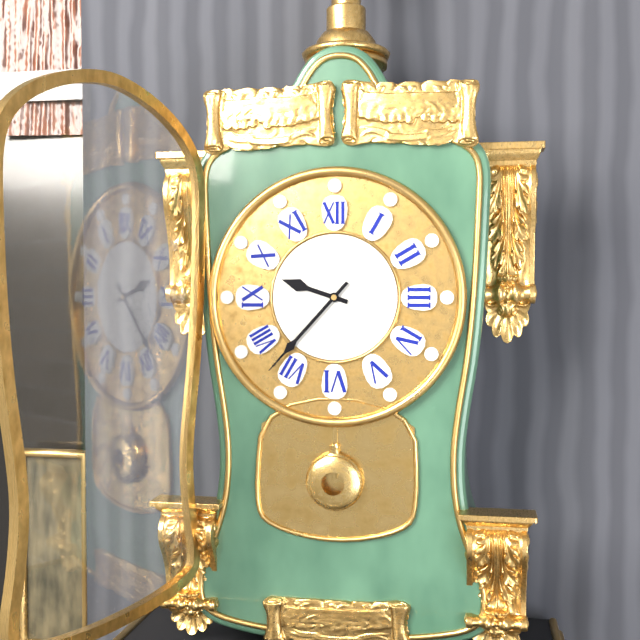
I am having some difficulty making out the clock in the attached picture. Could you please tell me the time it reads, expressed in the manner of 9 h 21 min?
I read 9 h 37 min
